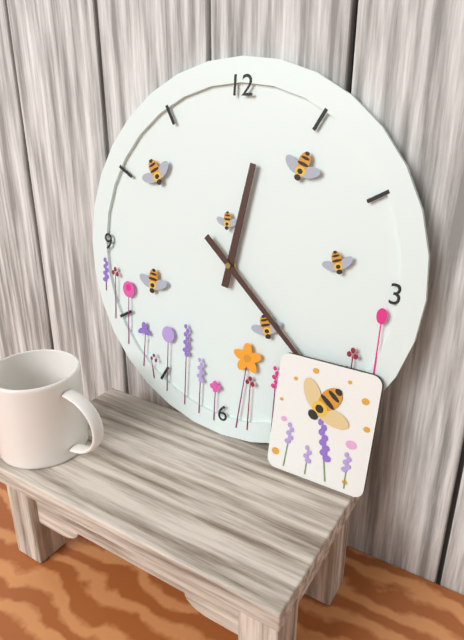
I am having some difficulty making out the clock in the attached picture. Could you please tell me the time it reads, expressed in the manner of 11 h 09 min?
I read 12 h 22 min
